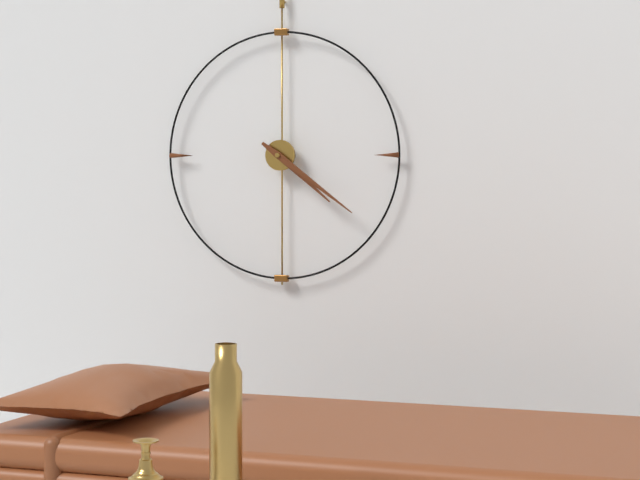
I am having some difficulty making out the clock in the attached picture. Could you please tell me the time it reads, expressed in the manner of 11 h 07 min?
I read 4 h 21 min
